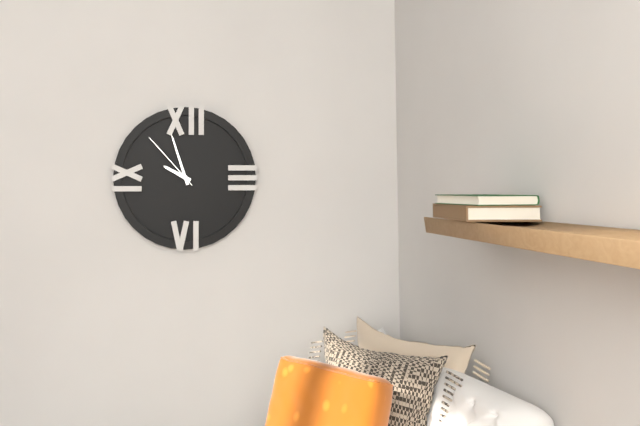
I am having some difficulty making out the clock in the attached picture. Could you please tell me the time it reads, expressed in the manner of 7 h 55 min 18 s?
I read 9 h 57 min 53 s
